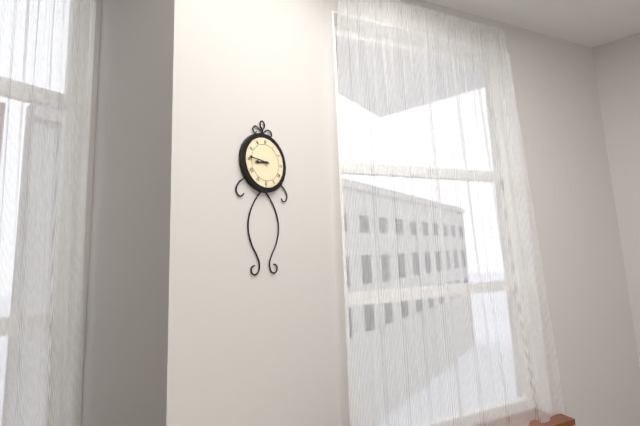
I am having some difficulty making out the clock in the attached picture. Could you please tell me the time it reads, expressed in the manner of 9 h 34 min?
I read 8 h 46 min
